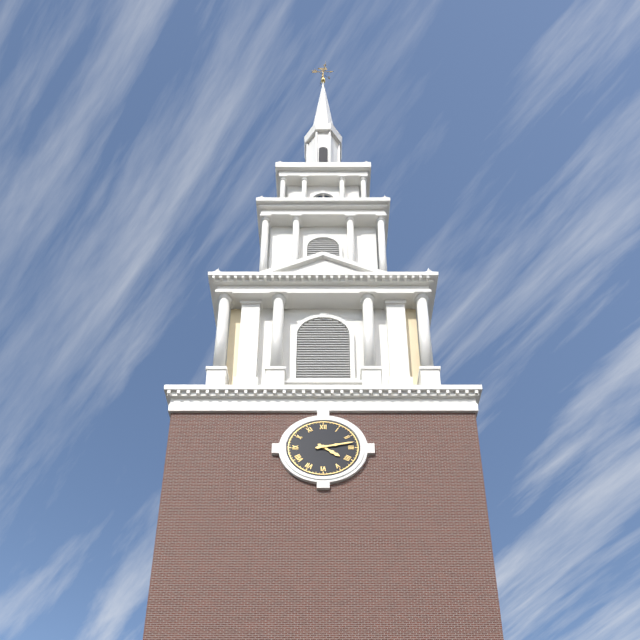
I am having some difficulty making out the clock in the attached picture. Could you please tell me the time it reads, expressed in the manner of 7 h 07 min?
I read 4 h 13 min
